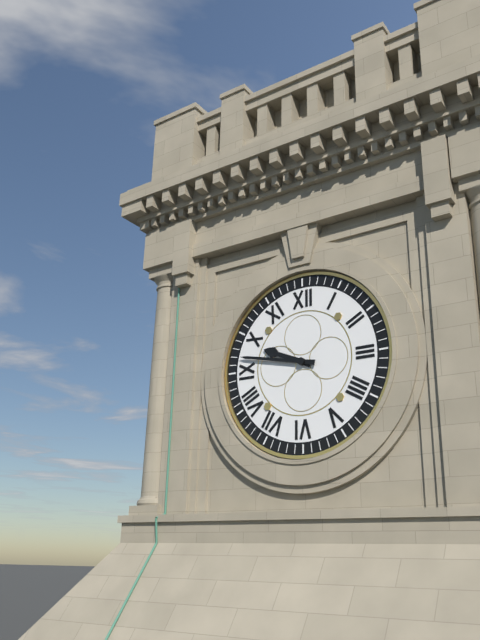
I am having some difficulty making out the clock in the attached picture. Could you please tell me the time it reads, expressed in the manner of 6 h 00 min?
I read 9 h 47 min
